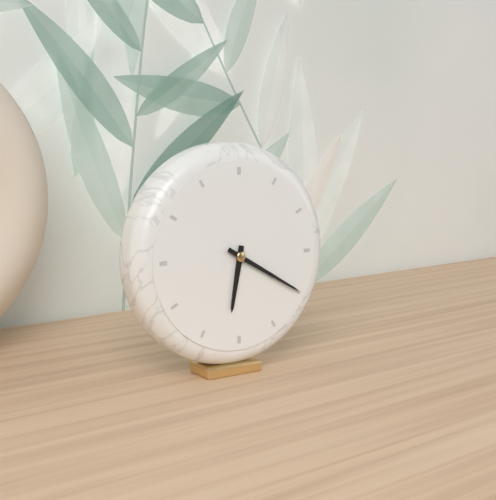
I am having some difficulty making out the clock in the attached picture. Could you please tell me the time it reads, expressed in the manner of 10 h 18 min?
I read 6 h 20 min
